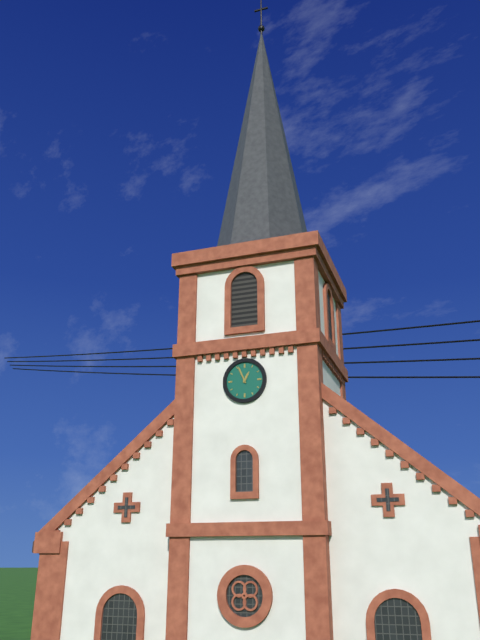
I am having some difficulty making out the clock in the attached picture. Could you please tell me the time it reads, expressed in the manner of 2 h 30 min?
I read 12 h 56 min
